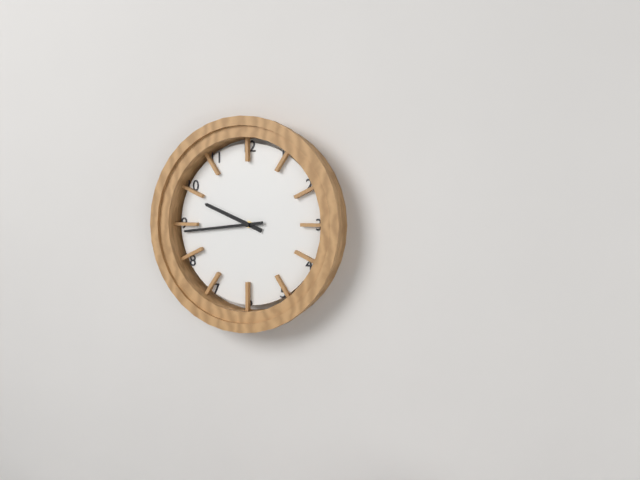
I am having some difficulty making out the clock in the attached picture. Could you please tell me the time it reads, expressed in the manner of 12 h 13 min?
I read 9 h 44 min
